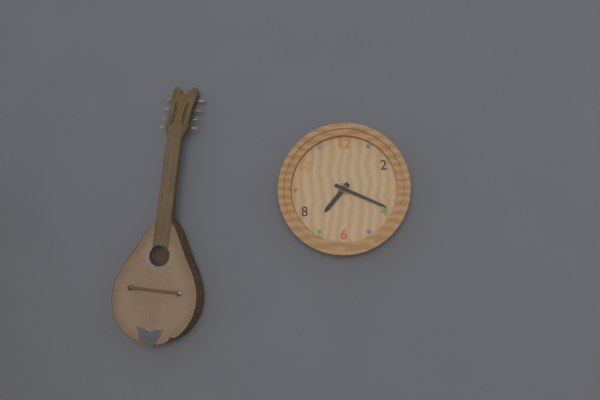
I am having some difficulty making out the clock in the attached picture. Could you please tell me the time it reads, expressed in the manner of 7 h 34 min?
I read 7 h 19 min
